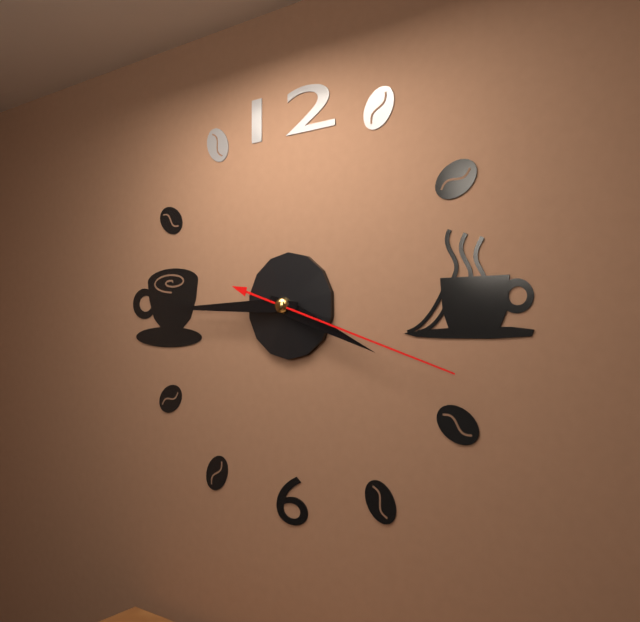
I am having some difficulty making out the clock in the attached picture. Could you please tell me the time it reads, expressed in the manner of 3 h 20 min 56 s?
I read 3 h 45 min 18 s
